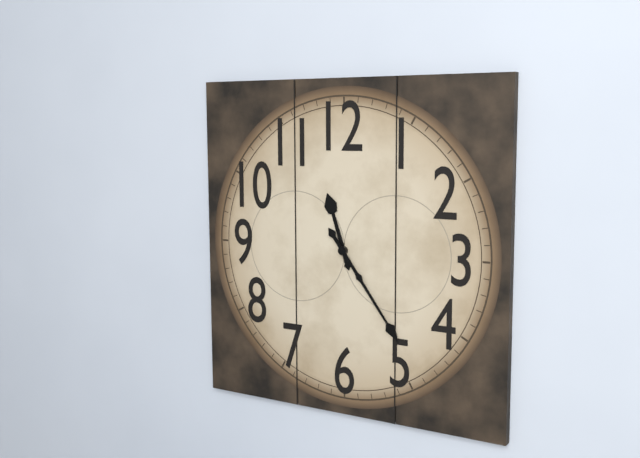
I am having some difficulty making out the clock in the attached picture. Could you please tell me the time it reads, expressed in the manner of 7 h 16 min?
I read 11 h 24 min
